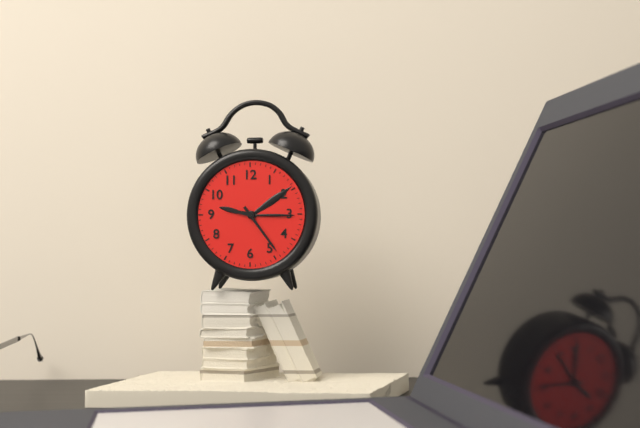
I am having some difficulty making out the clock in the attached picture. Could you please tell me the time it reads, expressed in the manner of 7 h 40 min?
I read 9 h 24 min
